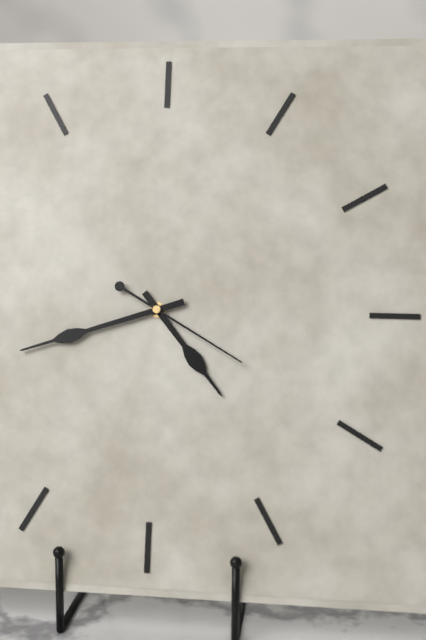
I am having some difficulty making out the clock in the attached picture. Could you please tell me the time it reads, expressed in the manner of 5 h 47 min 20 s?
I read 4 h 42 min 20 s
